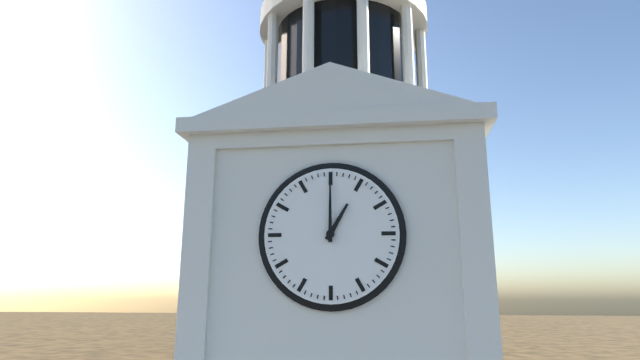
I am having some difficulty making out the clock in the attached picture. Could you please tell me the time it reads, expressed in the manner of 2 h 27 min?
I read 1 h 00 min
